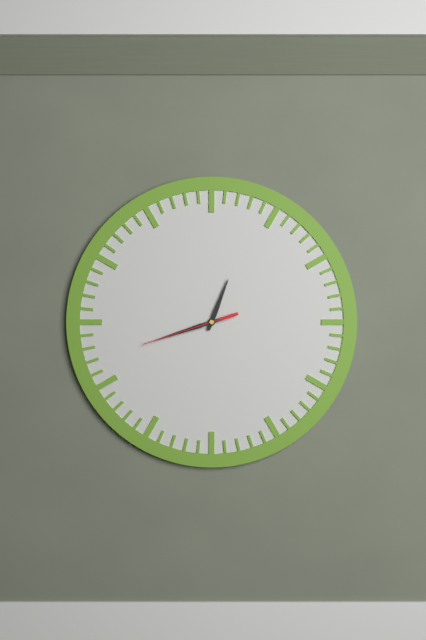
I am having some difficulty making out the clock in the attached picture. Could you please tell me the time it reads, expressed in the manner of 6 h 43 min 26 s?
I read 12 h 42 min 42 s
